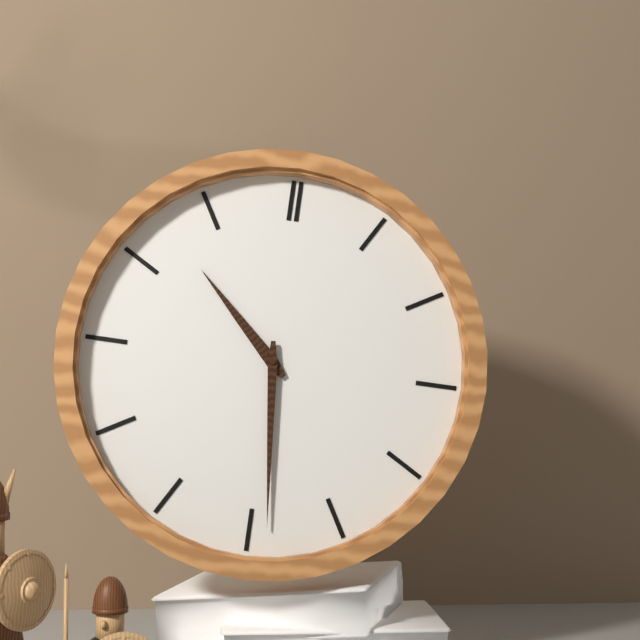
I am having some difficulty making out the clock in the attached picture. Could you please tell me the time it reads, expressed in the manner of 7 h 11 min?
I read 10 h 29 min
